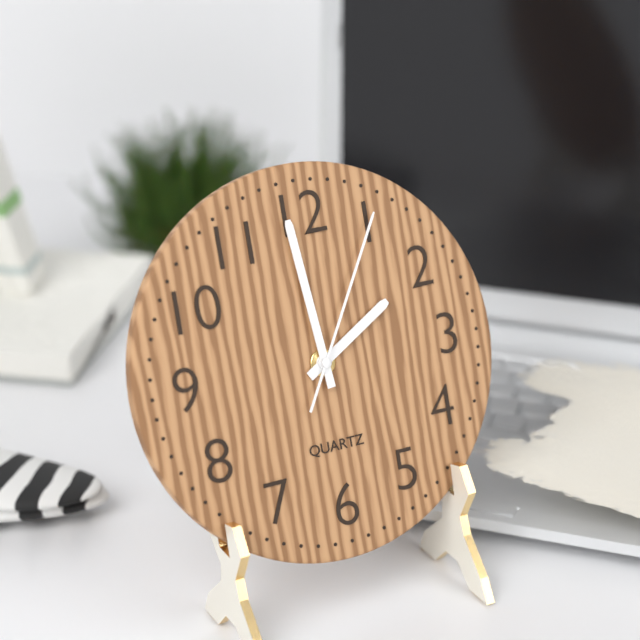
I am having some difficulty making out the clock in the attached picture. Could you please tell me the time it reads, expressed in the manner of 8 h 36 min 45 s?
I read 1 h 59 min 05 s
